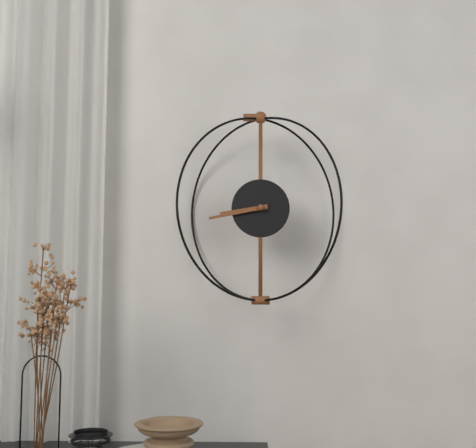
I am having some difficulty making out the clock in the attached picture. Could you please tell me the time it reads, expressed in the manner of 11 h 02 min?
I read 8 h 43 min
